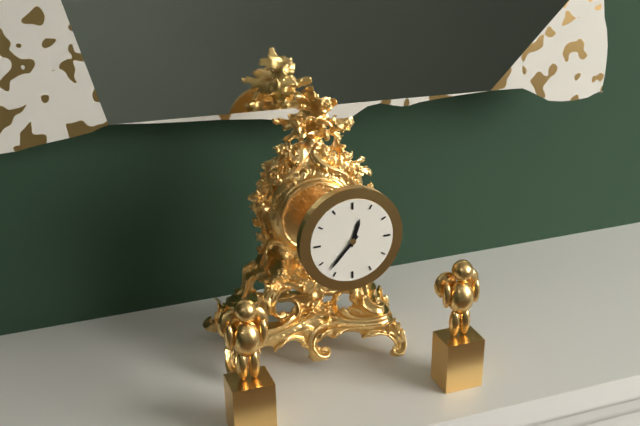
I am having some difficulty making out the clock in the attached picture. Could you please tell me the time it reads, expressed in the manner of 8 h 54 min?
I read 12 h 37 min
